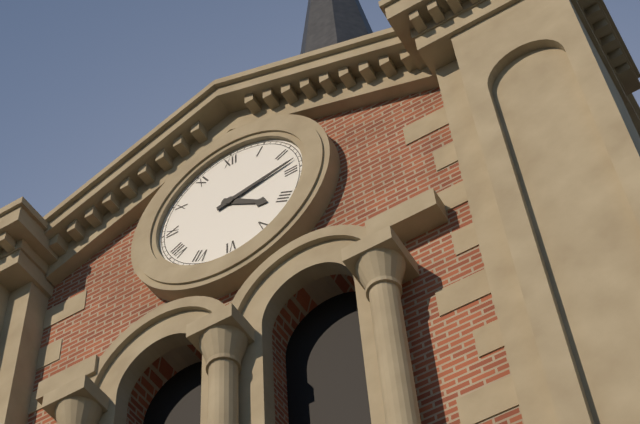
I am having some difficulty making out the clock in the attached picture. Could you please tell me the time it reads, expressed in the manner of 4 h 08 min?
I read 4 h 13 min
